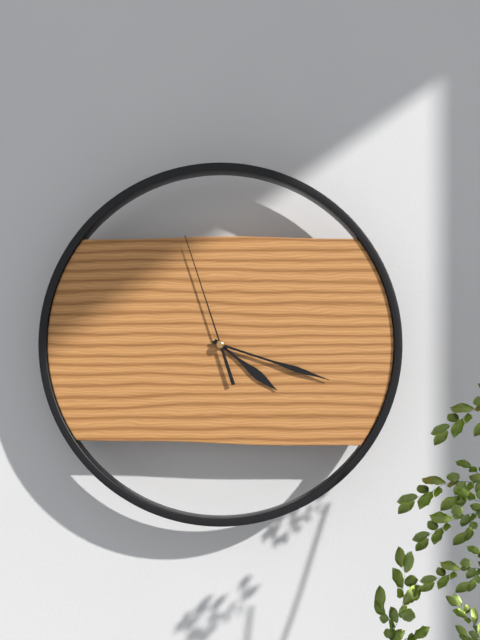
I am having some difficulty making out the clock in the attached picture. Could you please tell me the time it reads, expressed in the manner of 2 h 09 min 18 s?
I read 4 h 18 min 57 s
